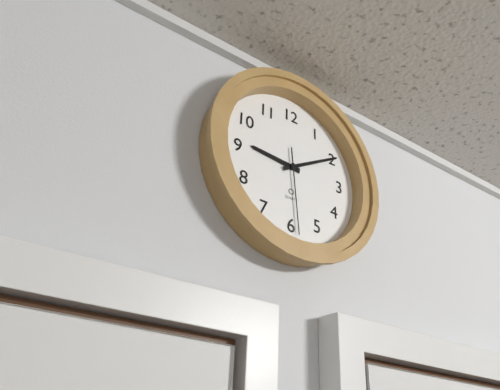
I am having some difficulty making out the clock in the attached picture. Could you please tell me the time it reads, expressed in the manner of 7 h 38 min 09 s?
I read 9 h 10 min 29 s
